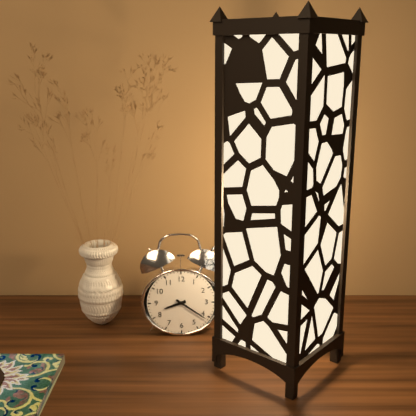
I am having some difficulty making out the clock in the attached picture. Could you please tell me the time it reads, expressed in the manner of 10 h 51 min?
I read 8 h 21 min
